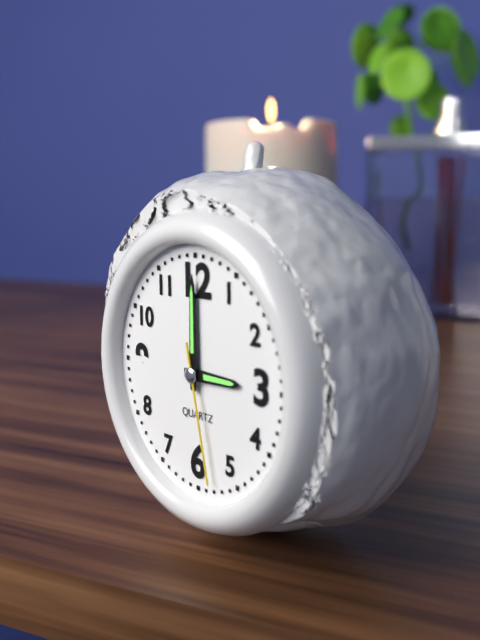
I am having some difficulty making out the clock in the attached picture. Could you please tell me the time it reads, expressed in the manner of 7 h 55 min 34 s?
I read 3 h 00 min 28 s
